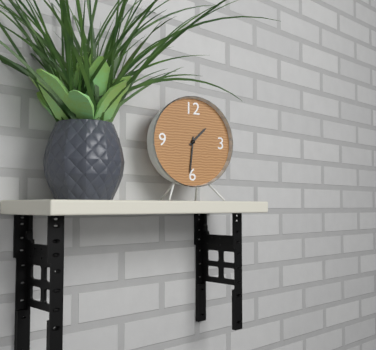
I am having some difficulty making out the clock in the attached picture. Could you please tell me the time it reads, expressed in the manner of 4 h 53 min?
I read 1 h 31 min
